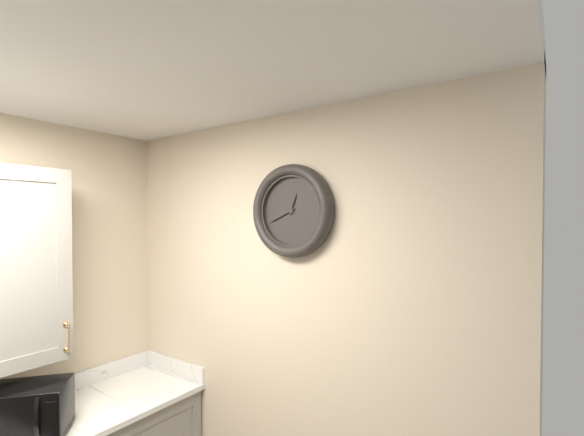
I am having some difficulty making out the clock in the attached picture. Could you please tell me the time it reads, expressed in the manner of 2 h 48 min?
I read 12 h 41 min
